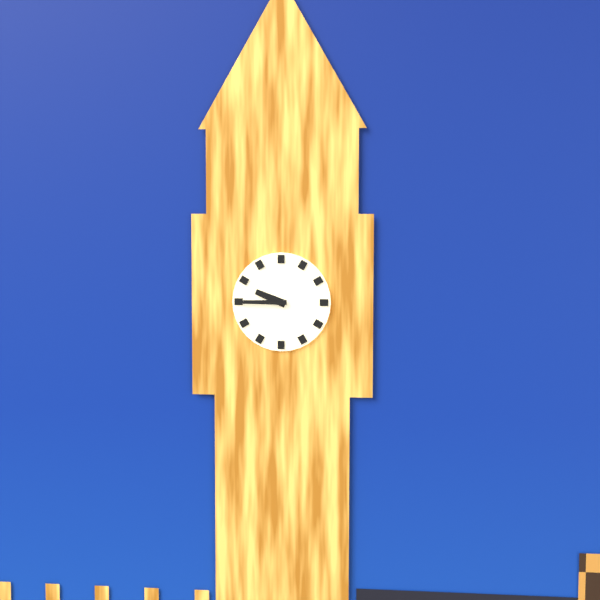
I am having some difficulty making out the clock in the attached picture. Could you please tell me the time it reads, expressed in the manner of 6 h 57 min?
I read 9 h 45 min
